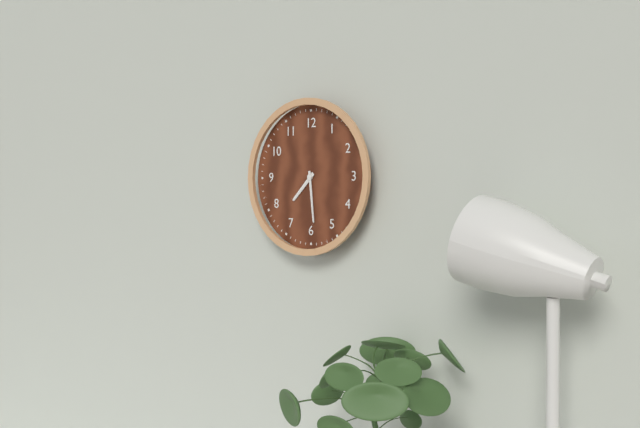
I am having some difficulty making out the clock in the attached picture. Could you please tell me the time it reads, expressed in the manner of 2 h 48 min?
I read 7 h 29 min
